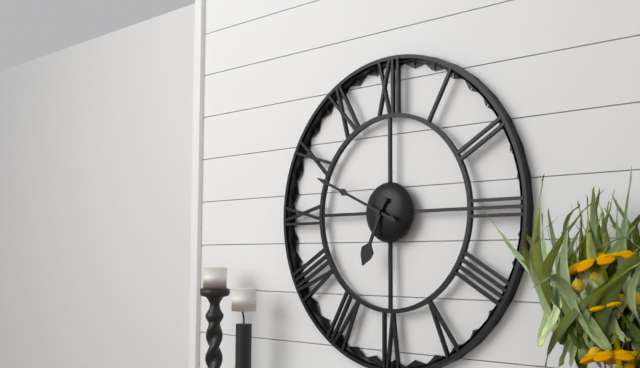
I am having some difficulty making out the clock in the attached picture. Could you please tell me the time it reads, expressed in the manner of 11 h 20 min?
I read 6 h 49 min
